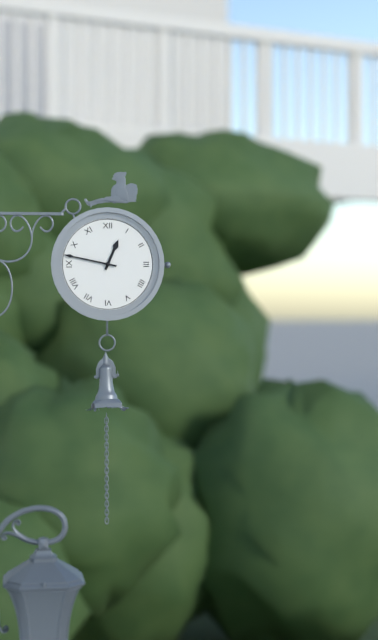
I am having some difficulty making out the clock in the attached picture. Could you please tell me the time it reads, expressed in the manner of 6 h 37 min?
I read 12 h 47 min
